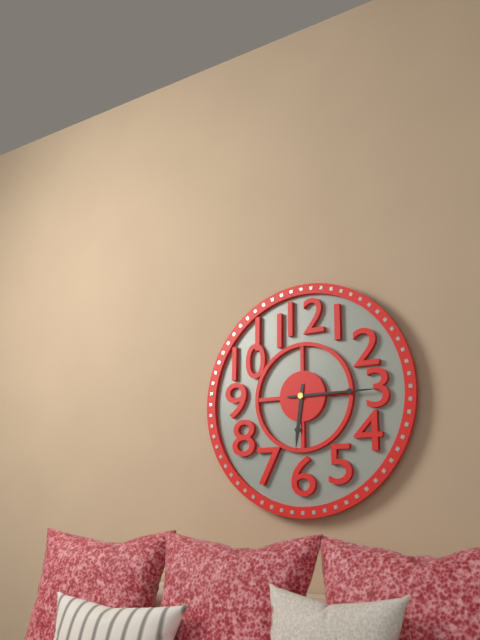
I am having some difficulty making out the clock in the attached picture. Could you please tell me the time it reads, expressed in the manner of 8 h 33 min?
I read 6 h 15 min
